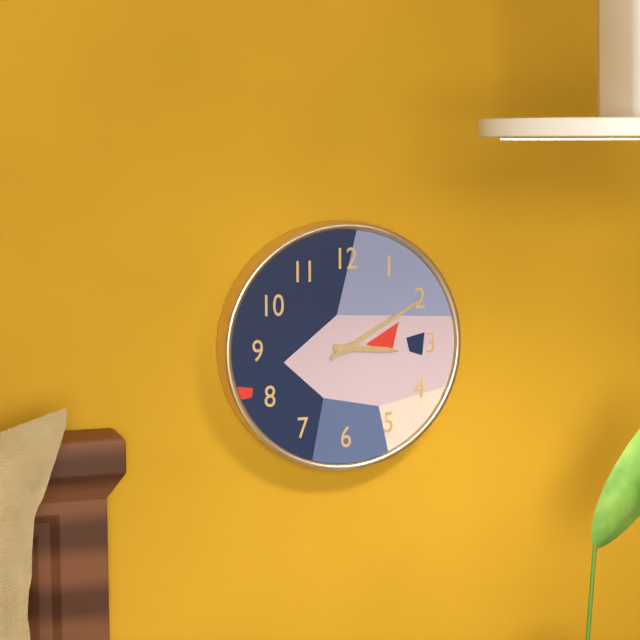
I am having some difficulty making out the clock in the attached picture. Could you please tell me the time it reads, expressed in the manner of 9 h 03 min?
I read 3 h 10 min
